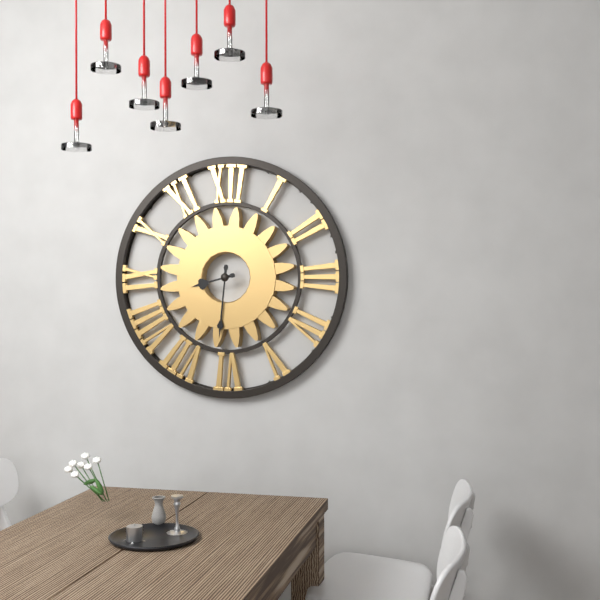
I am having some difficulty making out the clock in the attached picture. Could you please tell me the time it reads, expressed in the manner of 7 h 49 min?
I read 8 h 31 min
